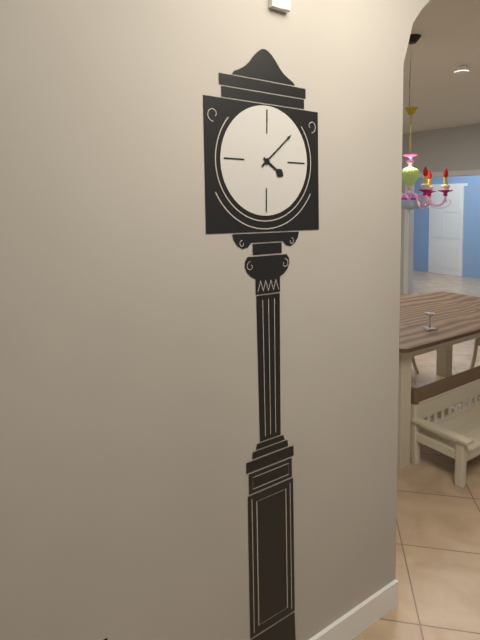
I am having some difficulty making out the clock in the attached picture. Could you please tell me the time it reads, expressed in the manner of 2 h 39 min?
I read 4 h 08 min
